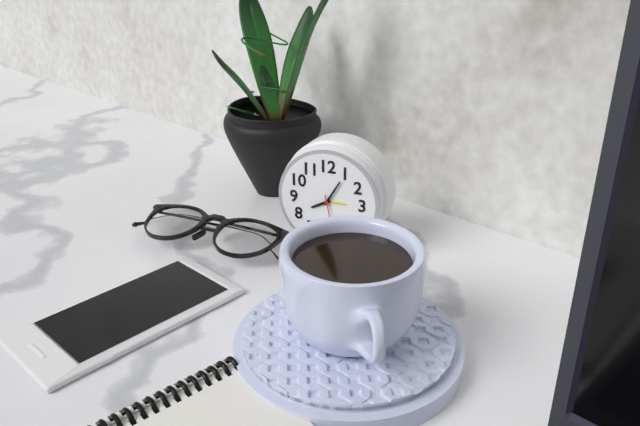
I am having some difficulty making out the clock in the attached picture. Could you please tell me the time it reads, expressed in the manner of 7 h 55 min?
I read 8 h 05 min
